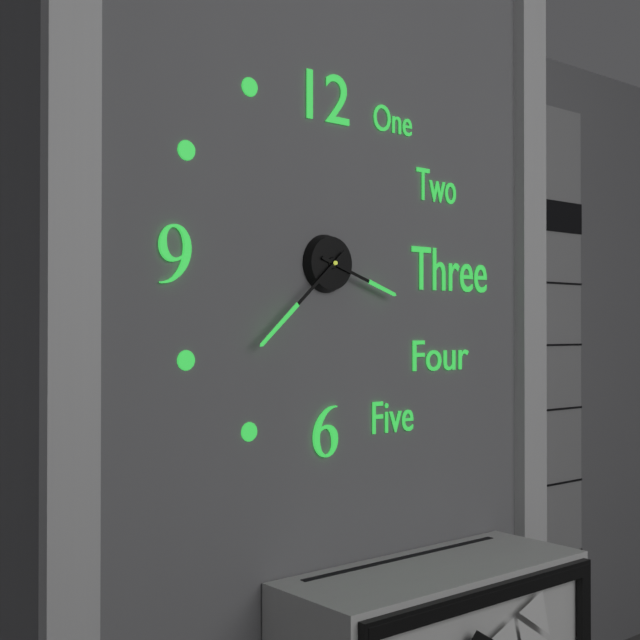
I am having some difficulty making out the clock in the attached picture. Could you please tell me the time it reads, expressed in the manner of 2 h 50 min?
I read 3 h 38 min
